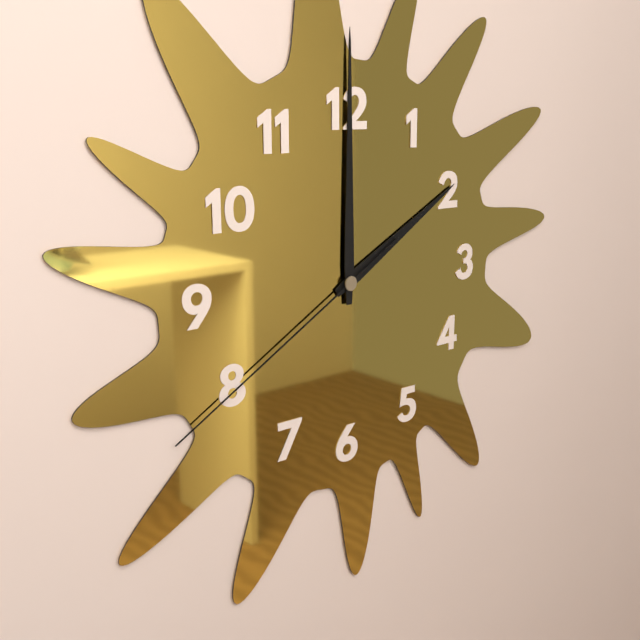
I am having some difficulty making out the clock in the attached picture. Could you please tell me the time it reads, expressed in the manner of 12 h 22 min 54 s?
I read 2 h 00 min 40 s
